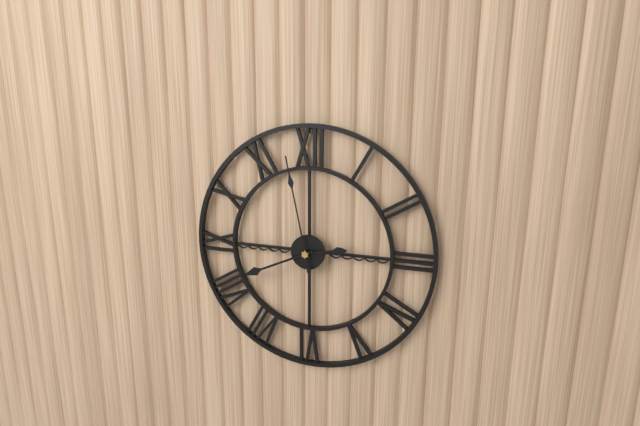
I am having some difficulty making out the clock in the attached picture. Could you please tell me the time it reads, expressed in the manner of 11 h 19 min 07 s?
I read 2 h 41 min 58 s
